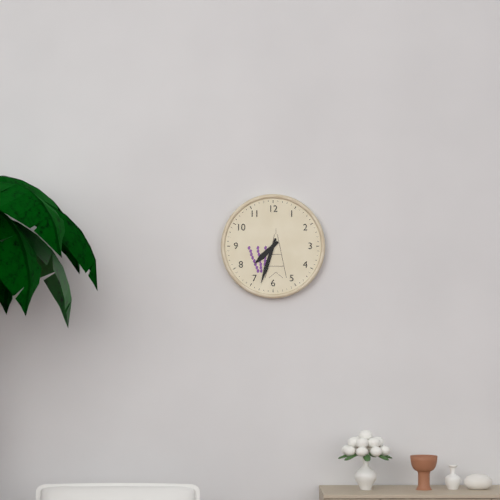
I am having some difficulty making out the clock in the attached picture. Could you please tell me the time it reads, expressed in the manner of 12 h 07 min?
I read 7 h 33 min
